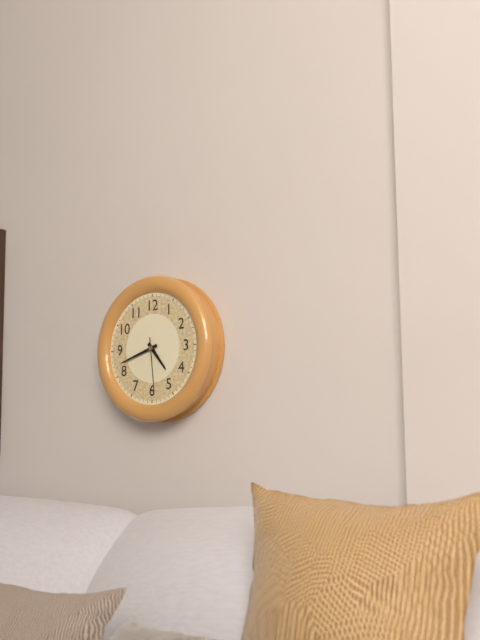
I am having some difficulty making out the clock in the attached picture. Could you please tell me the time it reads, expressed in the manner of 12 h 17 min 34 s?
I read 4 h 42 min 29 s
